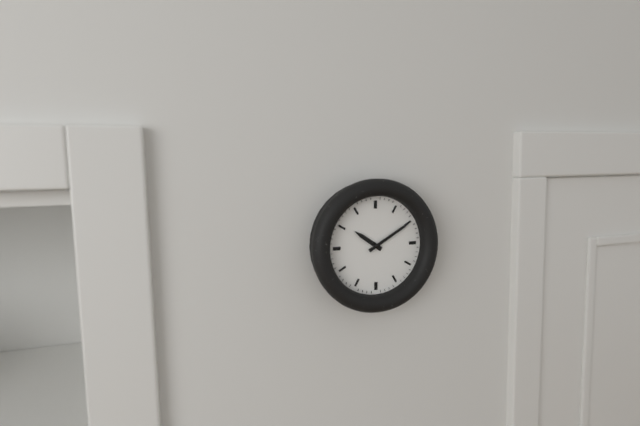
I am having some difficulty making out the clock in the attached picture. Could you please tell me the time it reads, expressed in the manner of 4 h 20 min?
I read 10 h 10 min
